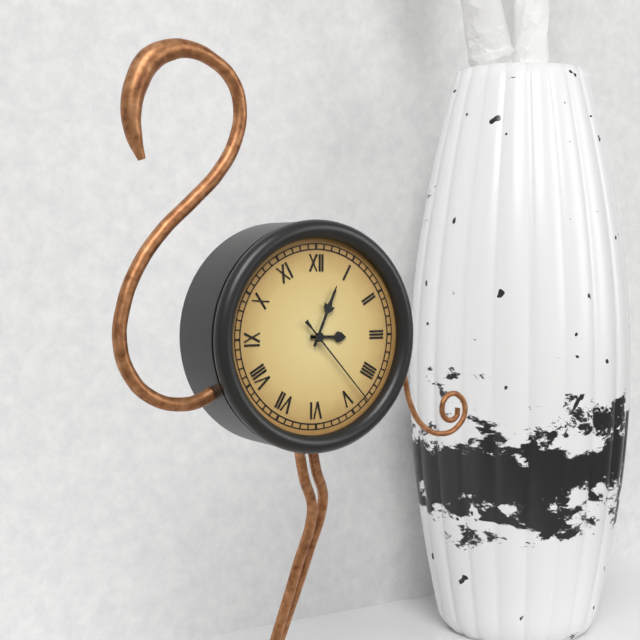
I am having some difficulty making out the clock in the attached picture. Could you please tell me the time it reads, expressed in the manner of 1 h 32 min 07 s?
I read 3 h 04 min 23 s
